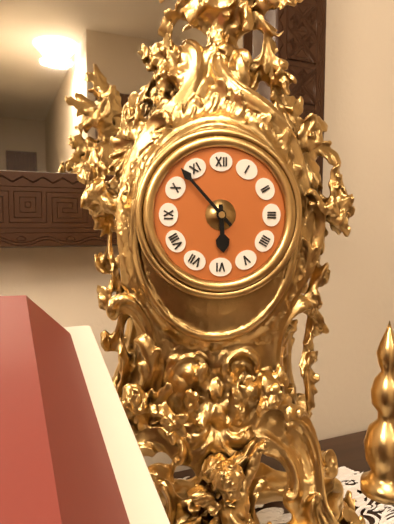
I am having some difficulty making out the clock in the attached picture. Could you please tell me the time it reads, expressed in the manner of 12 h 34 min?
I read 5 h 53 min
